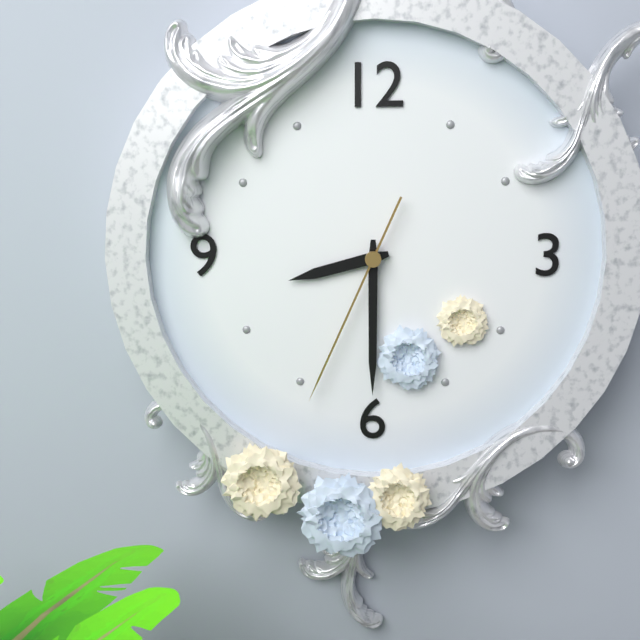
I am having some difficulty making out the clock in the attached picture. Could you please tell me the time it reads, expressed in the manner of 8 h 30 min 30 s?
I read 8 h 30 min 34 s
